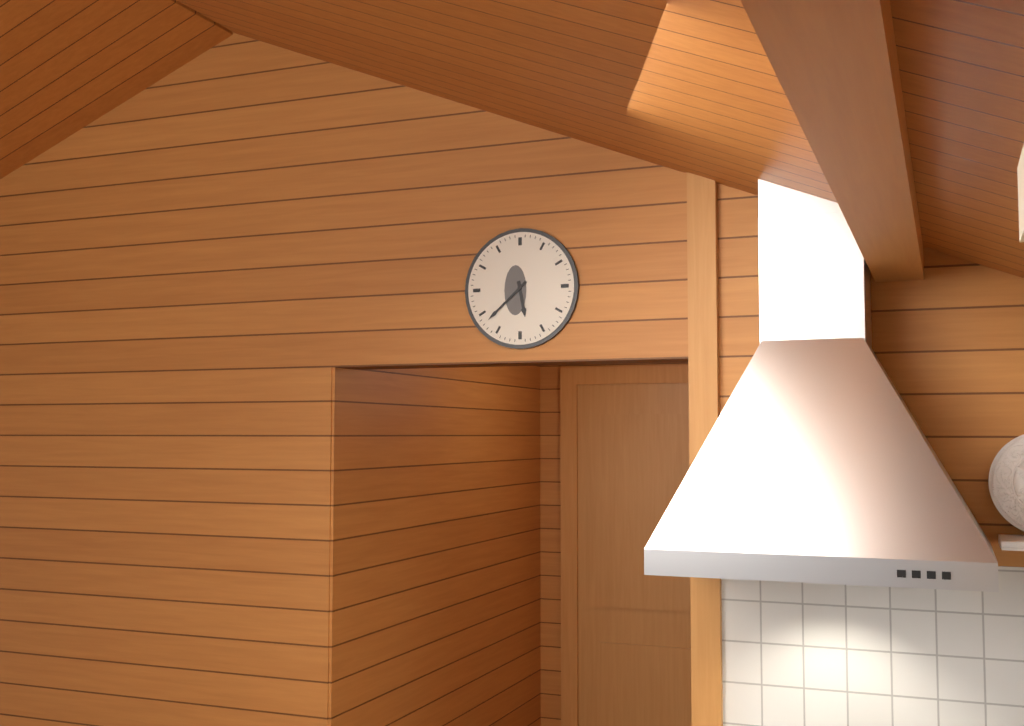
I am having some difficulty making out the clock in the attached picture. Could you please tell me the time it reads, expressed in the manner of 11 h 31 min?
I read 5 h 38 min
